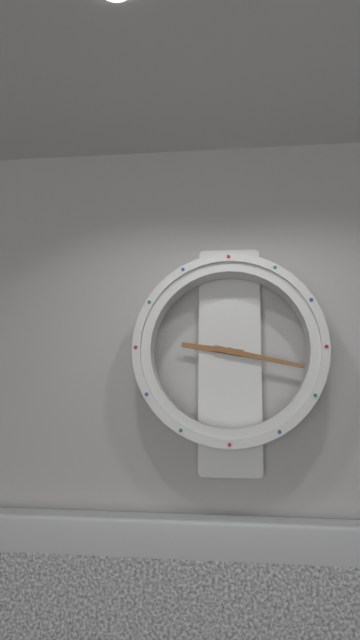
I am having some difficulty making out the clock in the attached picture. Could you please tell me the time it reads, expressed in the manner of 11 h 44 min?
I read 9 h 17 min
